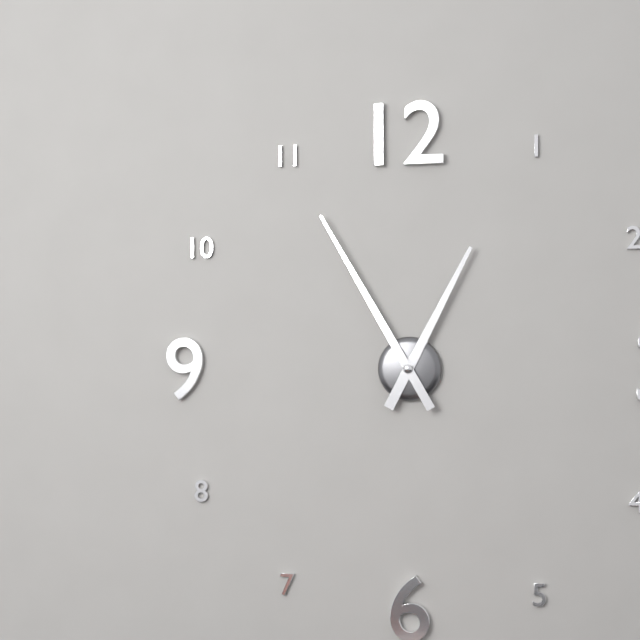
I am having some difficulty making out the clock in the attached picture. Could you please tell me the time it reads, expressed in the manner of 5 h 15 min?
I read 12 h 55 min
